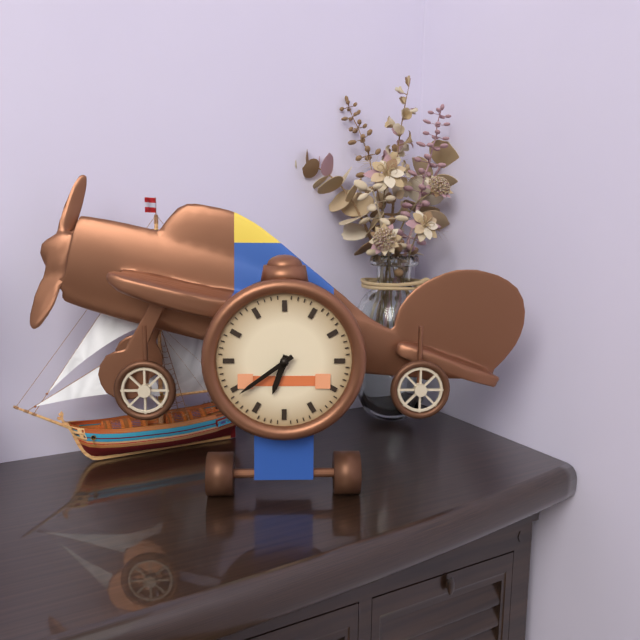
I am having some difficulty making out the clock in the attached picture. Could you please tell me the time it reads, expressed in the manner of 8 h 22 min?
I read 6 h 39 min
